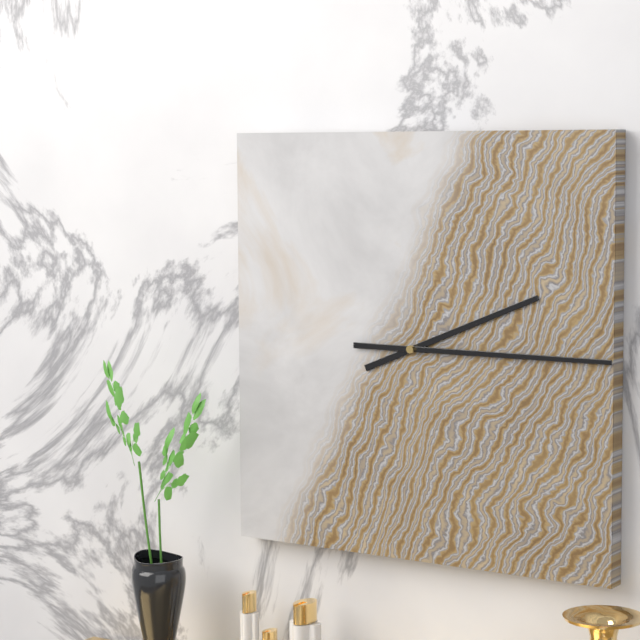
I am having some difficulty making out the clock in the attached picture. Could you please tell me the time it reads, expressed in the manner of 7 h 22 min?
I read 2 h 15 min
